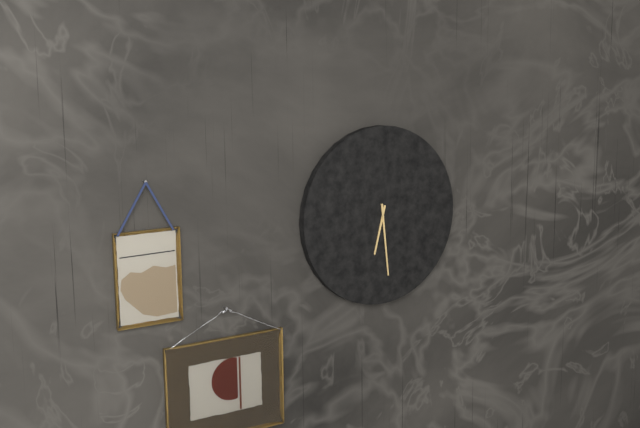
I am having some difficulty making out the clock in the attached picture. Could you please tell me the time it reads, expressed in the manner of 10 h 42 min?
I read 6 h 29 min
